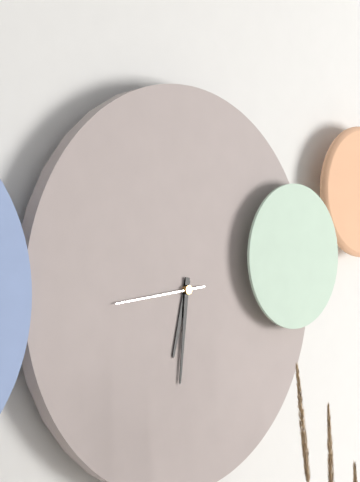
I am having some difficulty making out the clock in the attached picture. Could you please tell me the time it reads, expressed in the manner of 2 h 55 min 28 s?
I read 6 h 31 min 44 s
